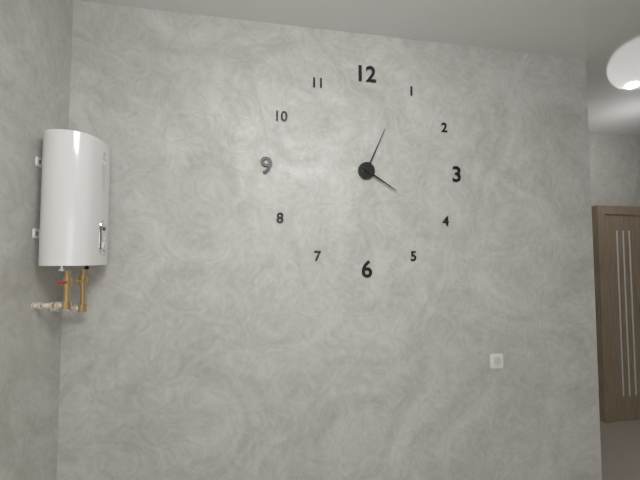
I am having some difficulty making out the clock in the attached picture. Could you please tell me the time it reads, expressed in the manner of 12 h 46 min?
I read 4 h 04 min
